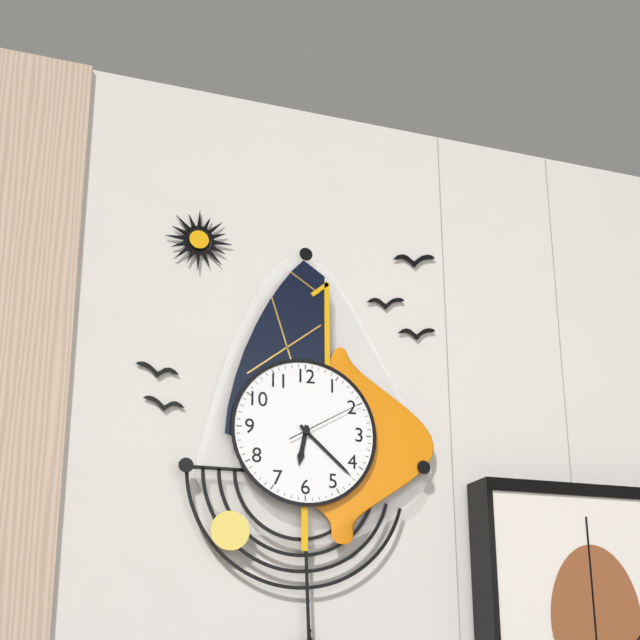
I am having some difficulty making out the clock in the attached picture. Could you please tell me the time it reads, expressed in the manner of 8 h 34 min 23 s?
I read 6 h 22 min 10 s
